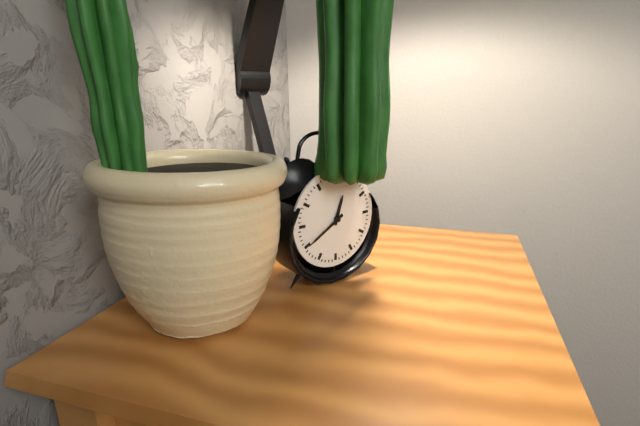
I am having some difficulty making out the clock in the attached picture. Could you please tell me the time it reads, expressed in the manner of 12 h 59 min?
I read 12 h 40 min
